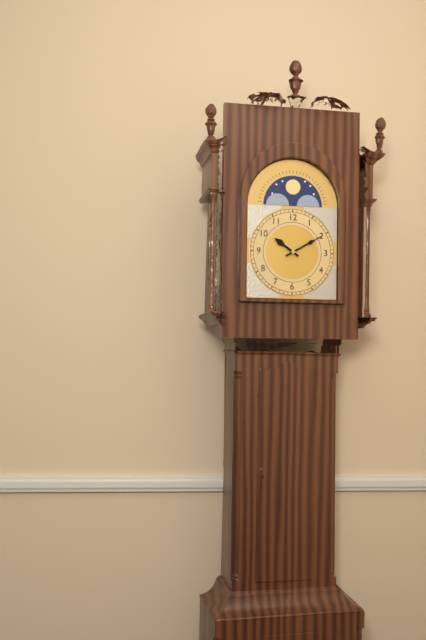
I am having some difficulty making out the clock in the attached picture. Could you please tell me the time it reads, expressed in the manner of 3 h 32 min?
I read 10 h 10 min
